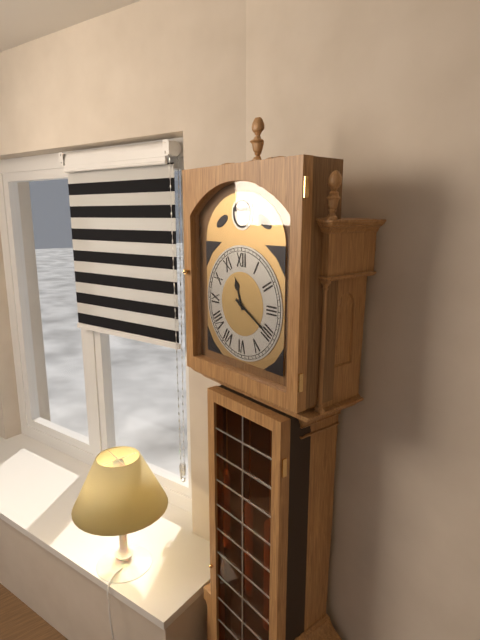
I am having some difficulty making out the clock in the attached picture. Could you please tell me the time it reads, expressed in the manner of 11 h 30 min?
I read 11 h 20 min
